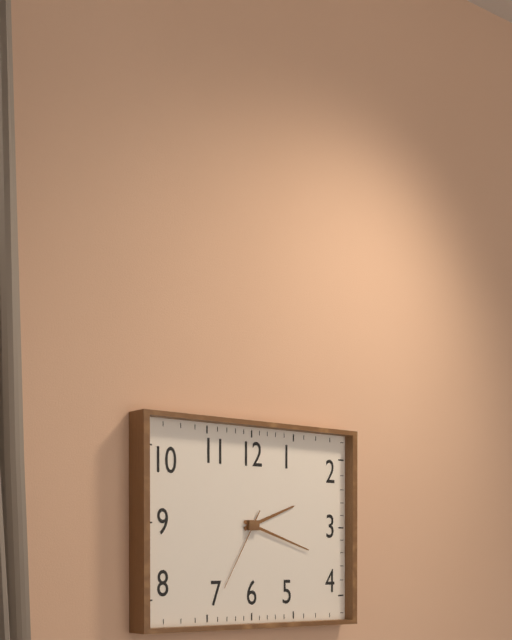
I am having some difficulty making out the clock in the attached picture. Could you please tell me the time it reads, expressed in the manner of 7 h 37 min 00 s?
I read 2 h 18 min 35 s
